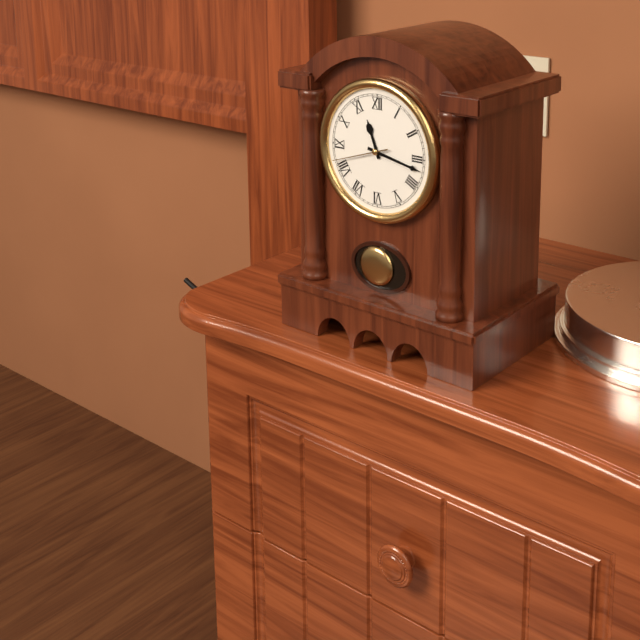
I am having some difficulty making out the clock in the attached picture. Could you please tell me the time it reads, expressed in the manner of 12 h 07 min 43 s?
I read 11 h 17 min 42 s
